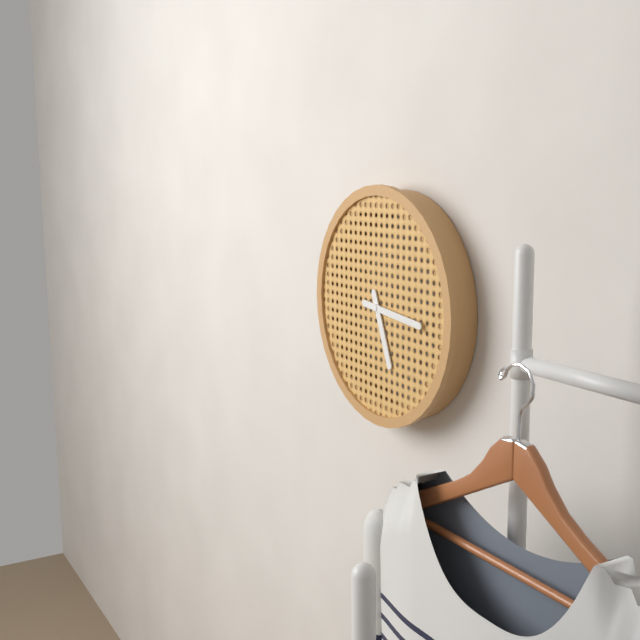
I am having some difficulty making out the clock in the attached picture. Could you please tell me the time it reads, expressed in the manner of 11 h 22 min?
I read 5 h 16 min
